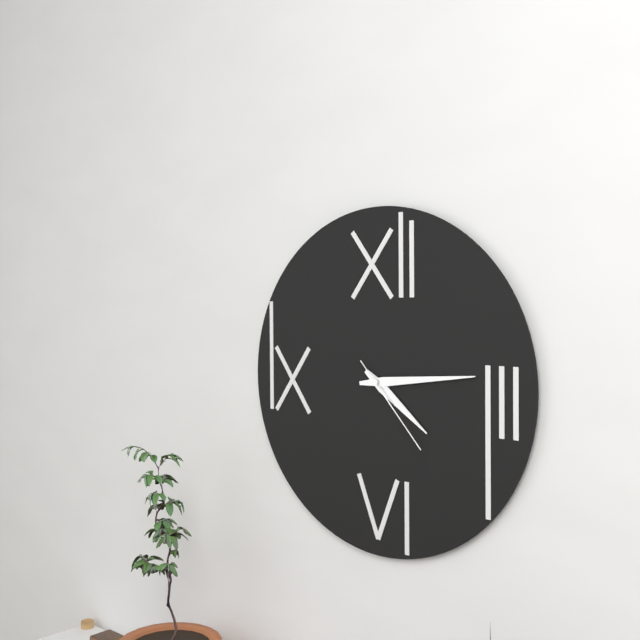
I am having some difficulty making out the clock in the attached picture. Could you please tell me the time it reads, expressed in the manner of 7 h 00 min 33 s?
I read 4 h 14 min 23 s
